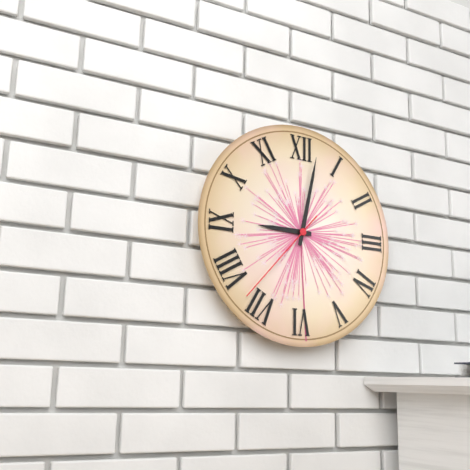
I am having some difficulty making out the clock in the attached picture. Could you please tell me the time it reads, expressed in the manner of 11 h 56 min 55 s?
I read 9 h 02 min 37 s
